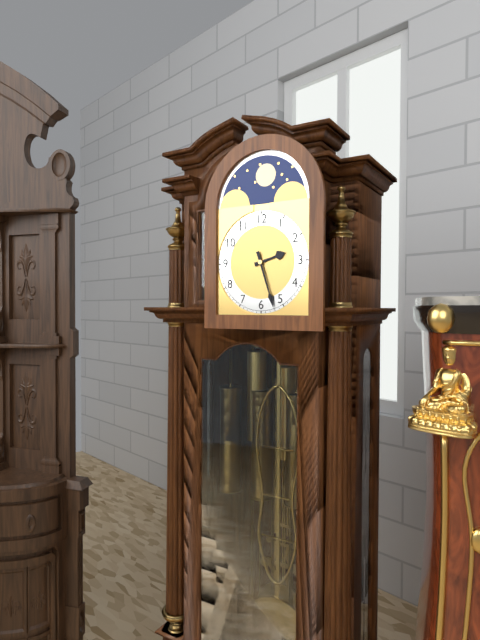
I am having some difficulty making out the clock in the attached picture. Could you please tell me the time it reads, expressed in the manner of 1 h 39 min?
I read 2 h 27 min
